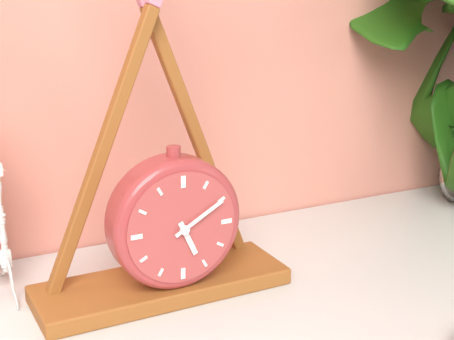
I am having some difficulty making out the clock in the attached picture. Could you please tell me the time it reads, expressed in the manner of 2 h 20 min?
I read 5 h 10 min
